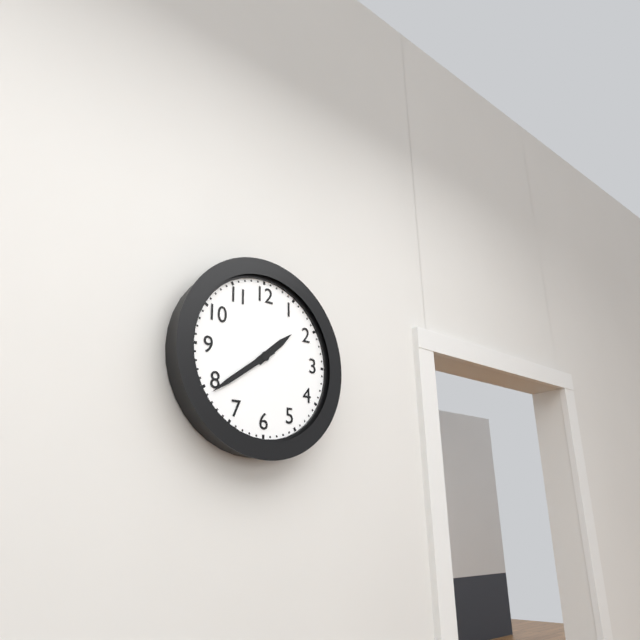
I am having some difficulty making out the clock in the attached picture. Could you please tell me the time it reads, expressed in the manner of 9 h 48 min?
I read 1 h 39 min
